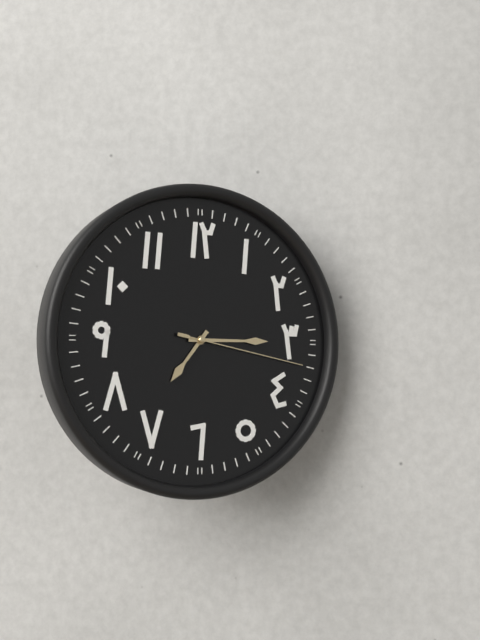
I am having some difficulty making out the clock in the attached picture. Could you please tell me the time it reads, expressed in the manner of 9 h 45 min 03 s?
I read 7 h 15 min 17 s
